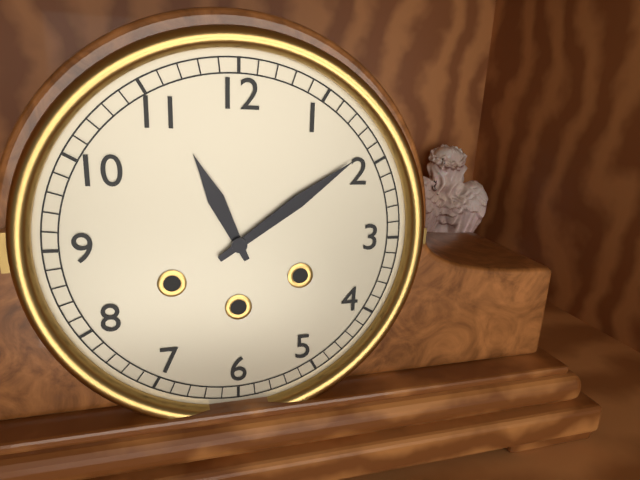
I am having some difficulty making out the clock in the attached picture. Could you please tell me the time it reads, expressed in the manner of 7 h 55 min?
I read 11 h 09 min
